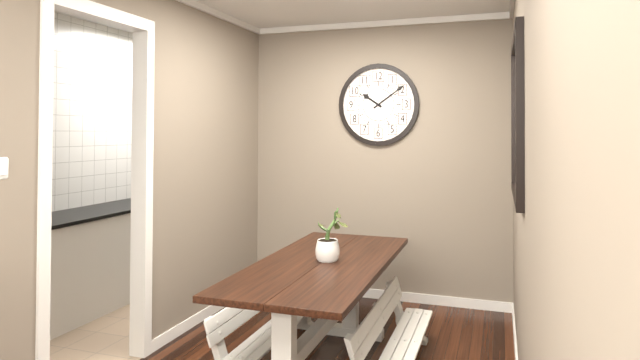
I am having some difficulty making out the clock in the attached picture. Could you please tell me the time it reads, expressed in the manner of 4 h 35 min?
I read 10 h 09 min
